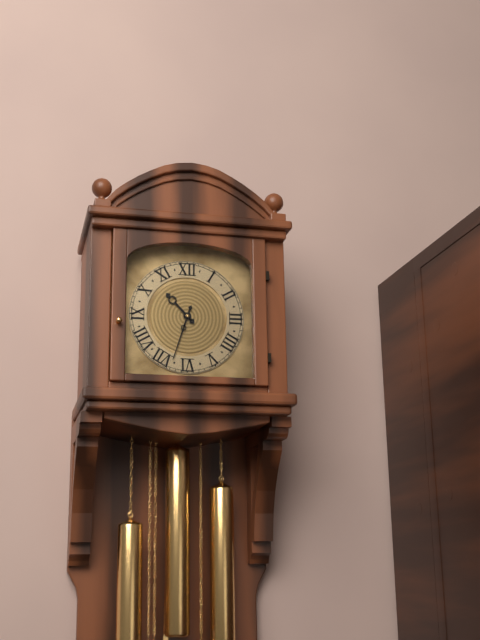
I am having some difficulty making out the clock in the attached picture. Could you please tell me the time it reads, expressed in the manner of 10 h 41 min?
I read 10 h 33 min
